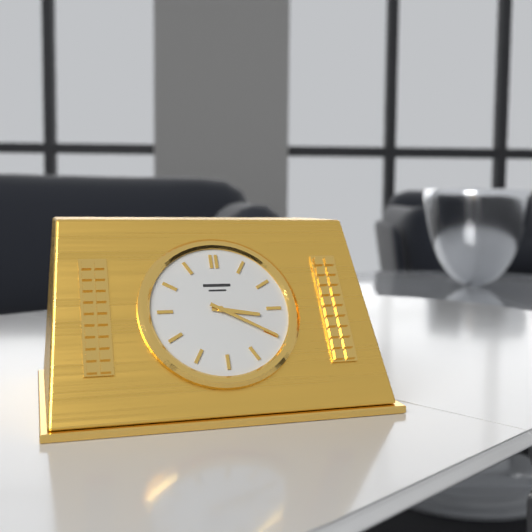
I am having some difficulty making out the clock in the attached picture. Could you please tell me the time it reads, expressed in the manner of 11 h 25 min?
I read 3 h 20 min
